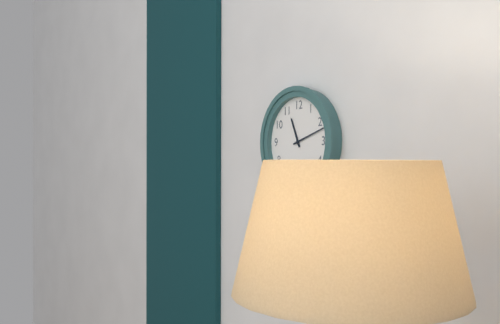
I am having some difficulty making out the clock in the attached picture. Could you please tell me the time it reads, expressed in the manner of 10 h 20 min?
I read 11 h 12 min
